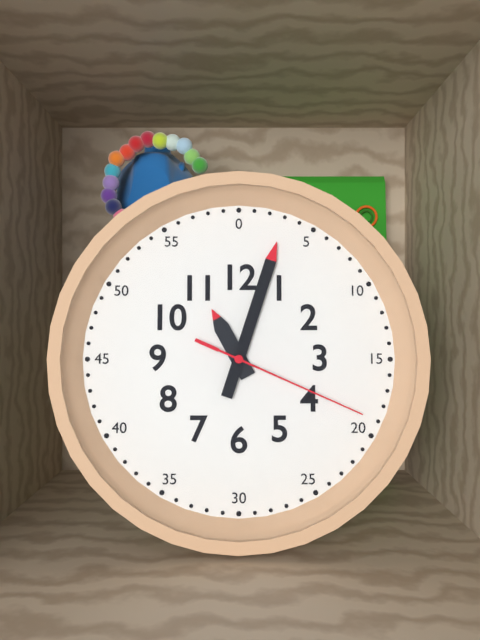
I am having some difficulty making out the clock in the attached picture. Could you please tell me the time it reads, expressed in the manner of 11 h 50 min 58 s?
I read 11 h 03 min 19 s
